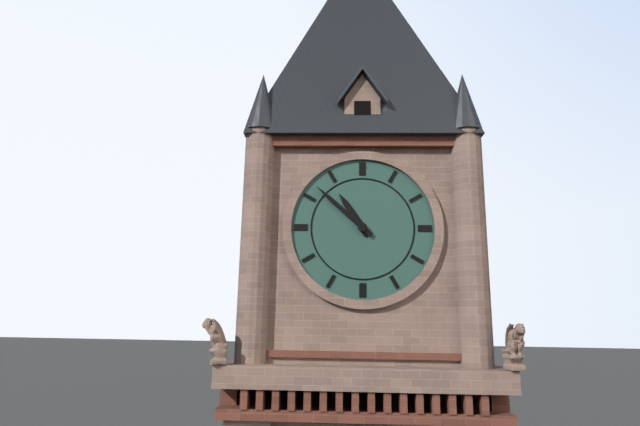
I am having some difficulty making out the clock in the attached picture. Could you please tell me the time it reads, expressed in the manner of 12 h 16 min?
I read 10 h 52 min
